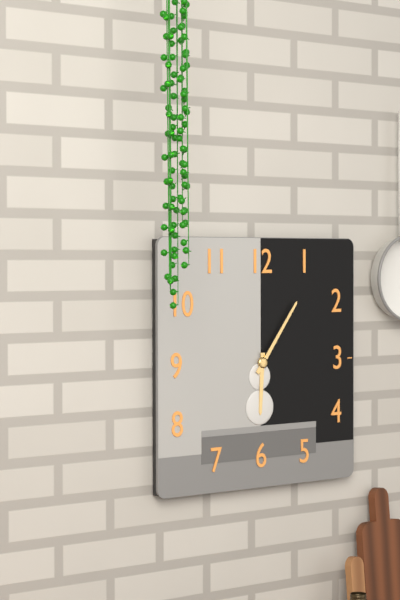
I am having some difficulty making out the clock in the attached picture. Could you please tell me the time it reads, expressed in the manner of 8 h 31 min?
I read 6 h 06 min
